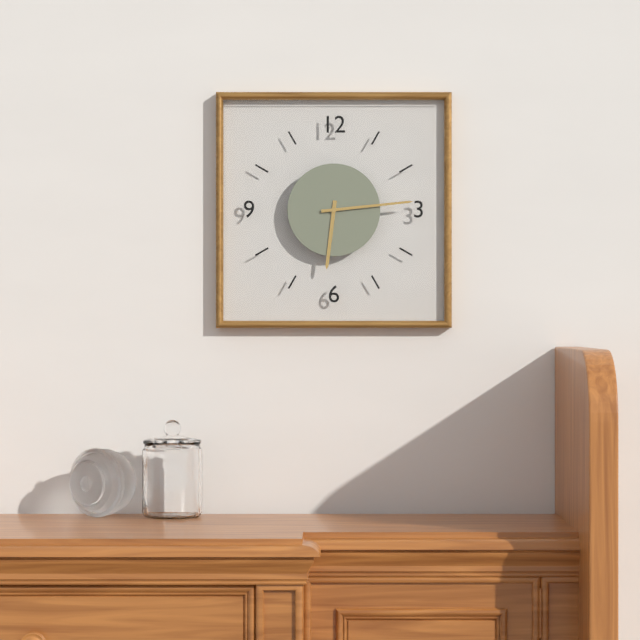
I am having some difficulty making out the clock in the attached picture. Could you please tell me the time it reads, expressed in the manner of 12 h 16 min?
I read 6 h 14 min
